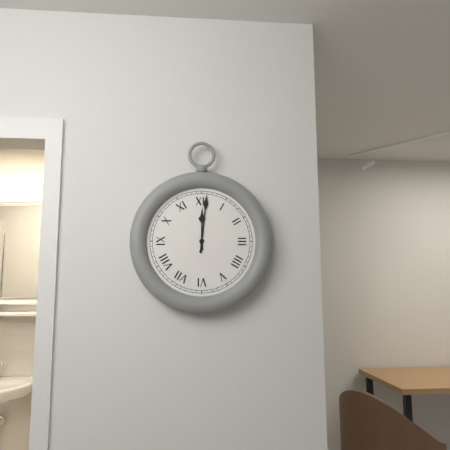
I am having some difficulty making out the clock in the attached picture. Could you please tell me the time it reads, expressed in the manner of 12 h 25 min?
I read 12 h 01 min
